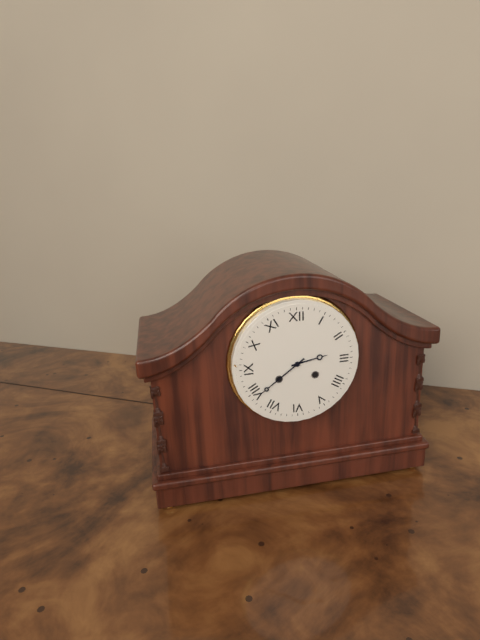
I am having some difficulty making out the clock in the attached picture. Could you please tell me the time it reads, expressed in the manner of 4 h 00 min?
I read 2 h 39 min
